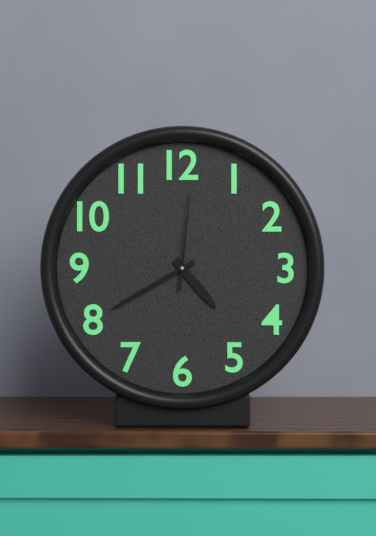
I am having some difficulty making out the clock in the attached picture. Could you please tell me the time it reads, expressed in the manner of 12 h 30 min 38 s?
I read 4 h 40 min 01 s
